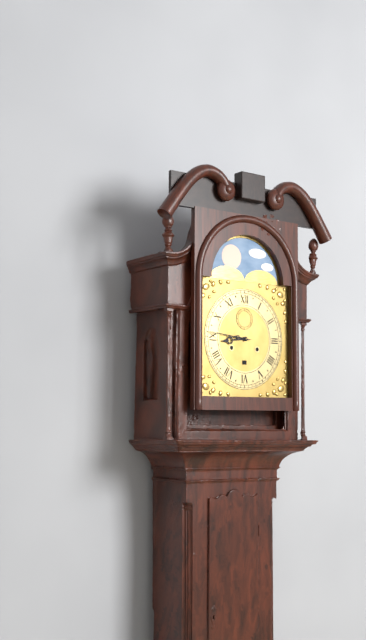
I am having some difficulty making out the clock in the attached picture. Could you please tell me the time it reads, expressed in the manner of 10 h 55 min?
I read 8 h 46 min
